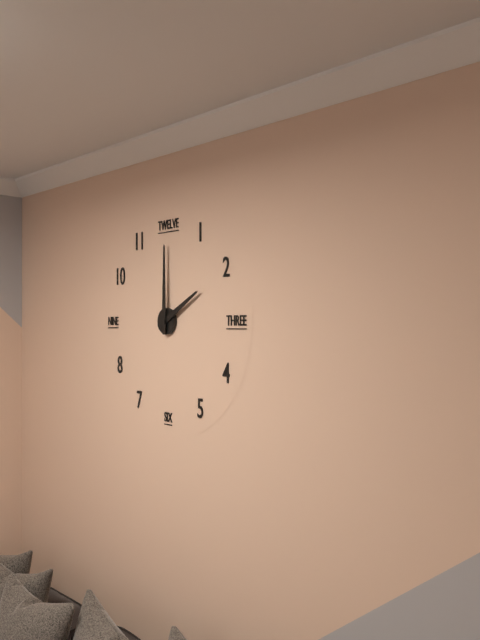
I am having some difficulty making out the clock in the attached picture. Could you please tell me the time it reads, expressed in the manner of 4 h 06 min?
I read 2 h 00 min
